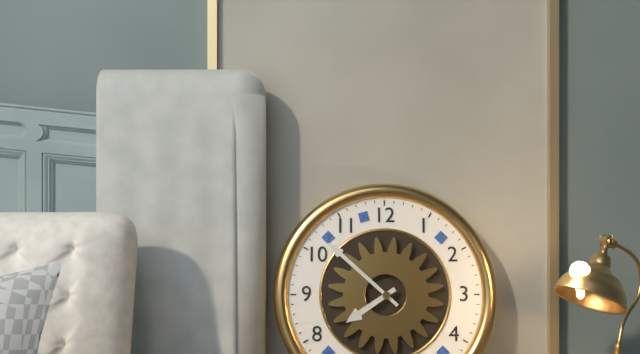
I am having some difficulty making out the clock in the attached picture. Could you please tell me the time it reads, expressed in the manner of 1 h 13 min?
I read 7 h 52 min
